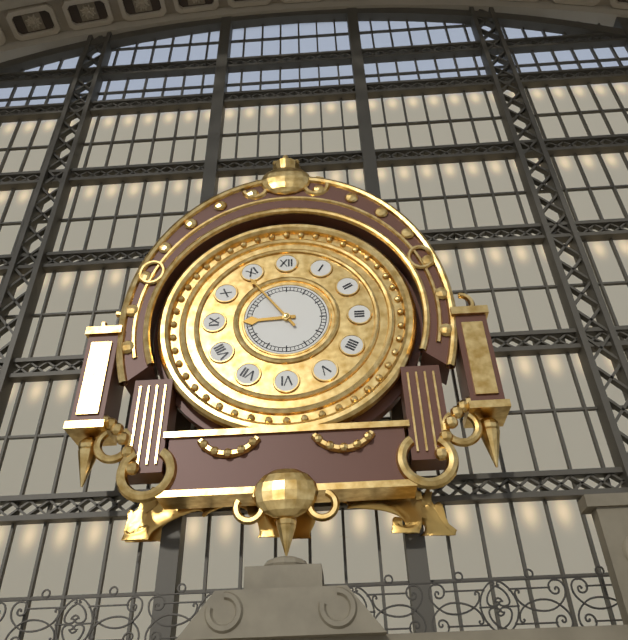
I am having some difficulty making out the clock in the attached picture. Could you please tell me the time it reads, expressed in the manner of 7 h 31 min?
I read 8 h 54 min
